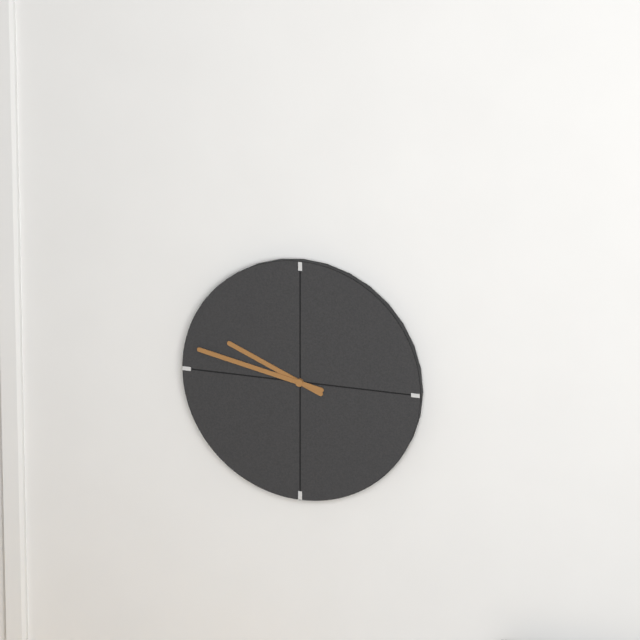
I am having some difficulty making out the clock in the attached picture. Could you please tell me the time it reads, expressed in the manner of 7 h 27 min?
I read 9 h 47 min
